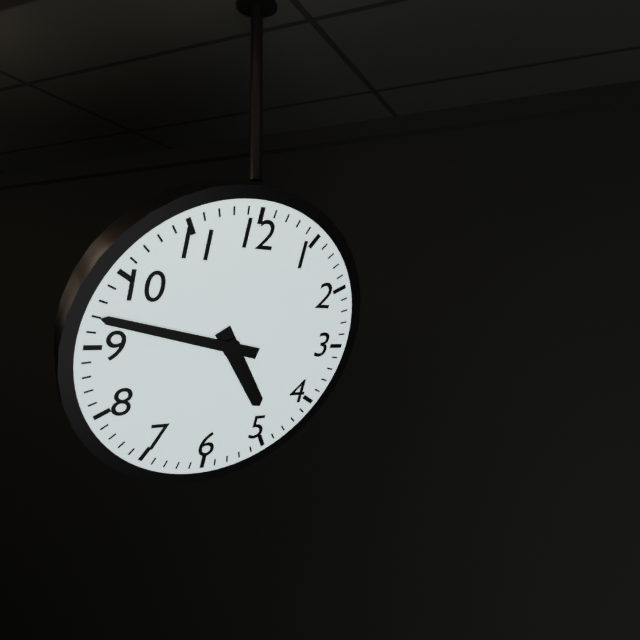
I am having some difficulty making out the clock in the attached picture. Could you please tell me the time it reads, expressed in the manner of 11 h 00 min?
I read 4 h 47 min
